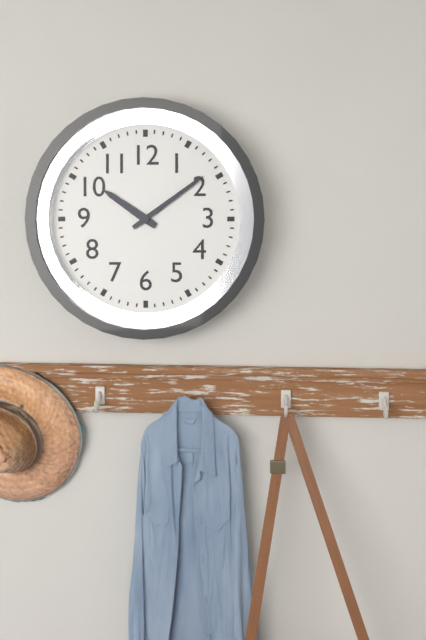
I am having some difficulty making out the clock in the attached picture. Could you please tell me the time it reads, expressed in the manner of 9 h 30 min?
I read 10 h 09 min
